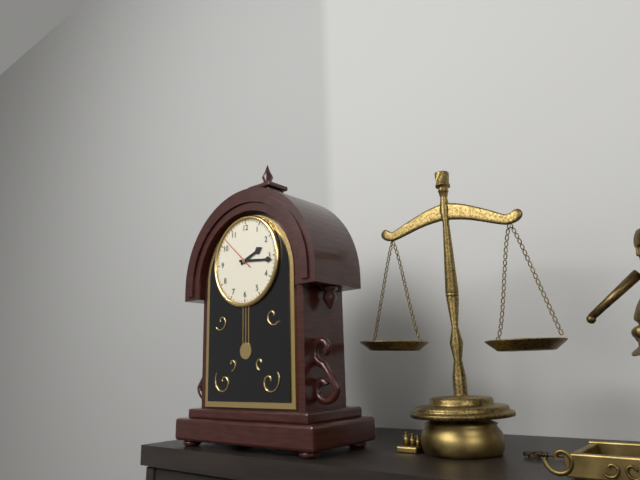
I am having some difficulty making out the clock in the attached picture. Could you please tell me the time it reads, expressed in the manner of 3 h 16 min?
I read 2 h 16 min
